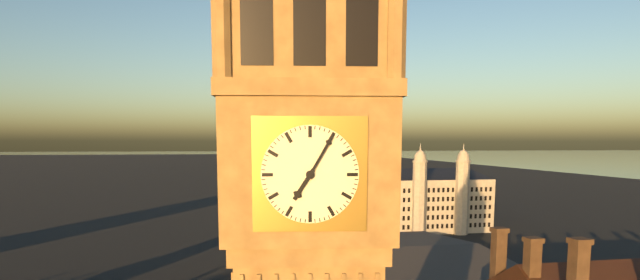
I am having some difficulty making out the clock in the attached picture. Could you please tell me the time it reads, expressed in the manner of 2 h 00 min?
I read 7 h 05 min
